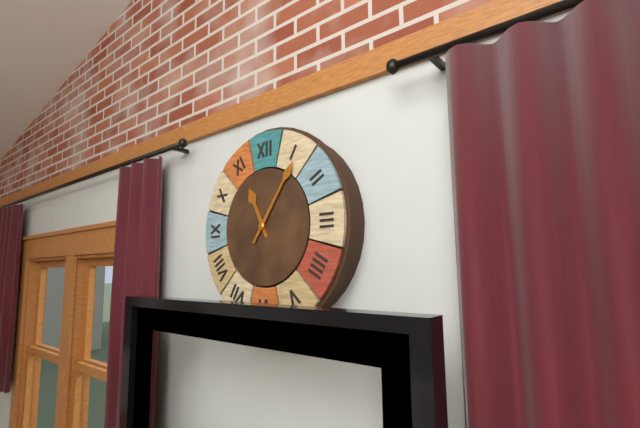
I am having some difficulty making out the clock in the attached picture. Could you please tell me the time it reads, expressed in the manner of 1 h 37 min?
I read 11 h 06 min
